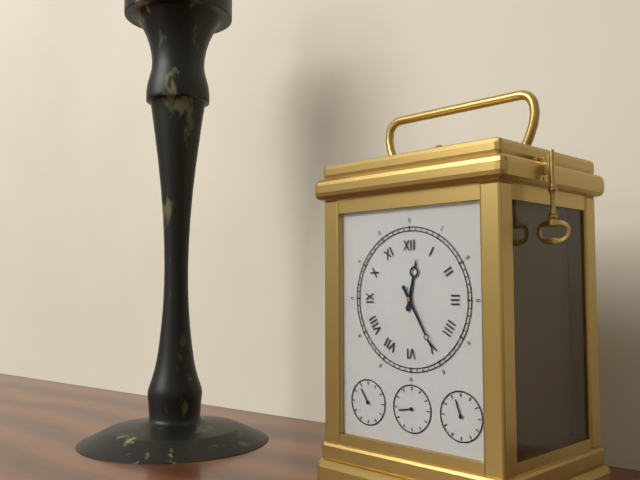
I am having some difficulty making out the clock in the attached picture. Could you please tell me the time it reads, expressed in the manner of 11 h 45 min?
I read 12 h 25 min
